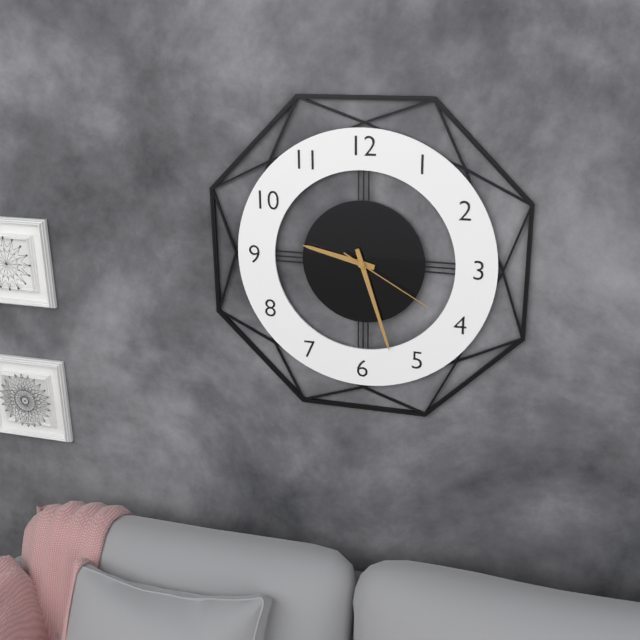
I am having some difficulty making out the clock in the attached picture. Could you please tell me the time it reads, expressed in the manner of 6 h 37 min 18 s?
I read 9 h 27 min 20 s
